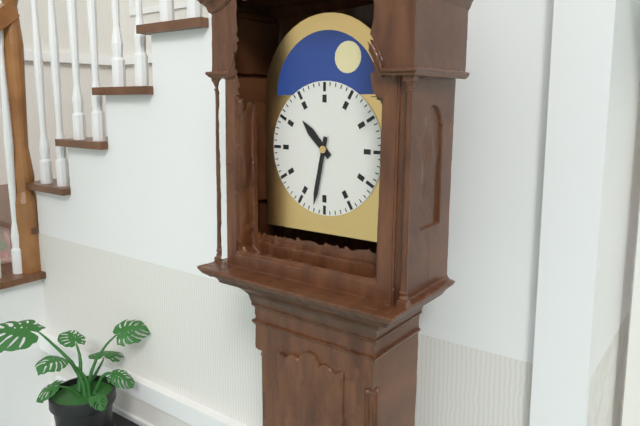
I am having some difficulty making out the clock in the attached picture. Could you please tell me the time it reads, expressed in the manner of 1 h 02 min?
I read 10 h 32 min
